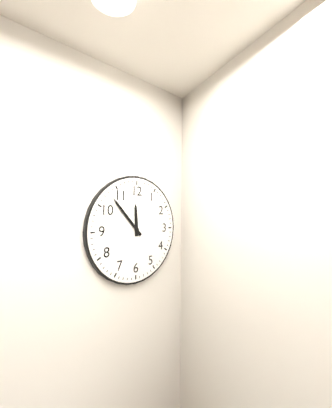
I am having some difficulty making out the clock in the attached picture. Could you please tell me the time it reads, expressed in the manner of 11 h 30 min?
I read 11 h 53 min
